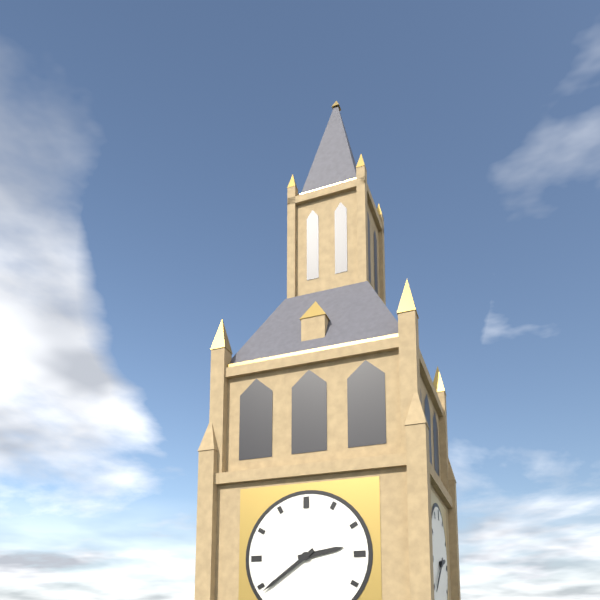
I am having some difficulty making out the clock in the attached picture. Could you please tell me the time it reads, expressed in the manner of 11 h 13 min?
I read 2 h 39 min
